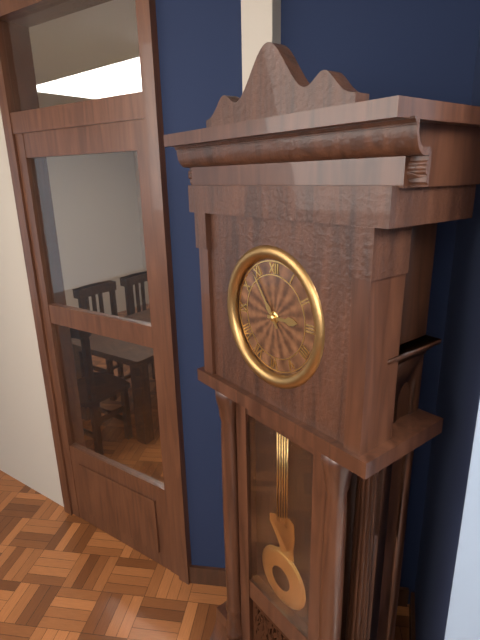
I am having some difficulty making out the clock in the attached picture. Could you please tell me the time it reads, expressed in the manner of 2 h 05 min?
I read 2 h 54 min
